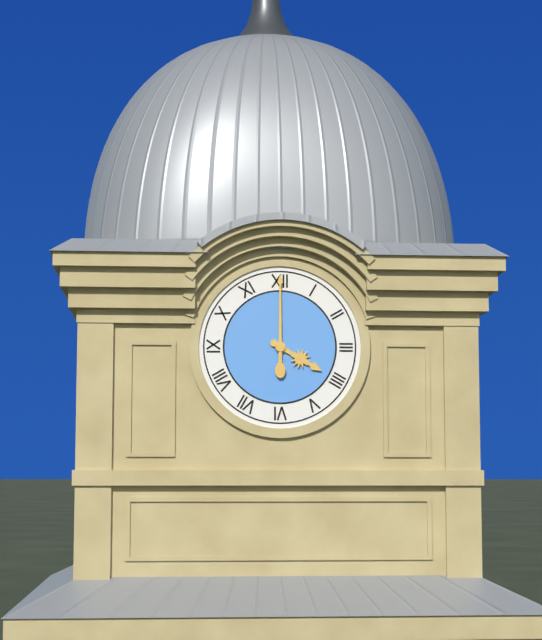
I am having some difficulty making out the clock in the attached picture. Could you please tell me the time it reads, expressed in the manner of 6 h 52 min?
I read 4 h 00 min
